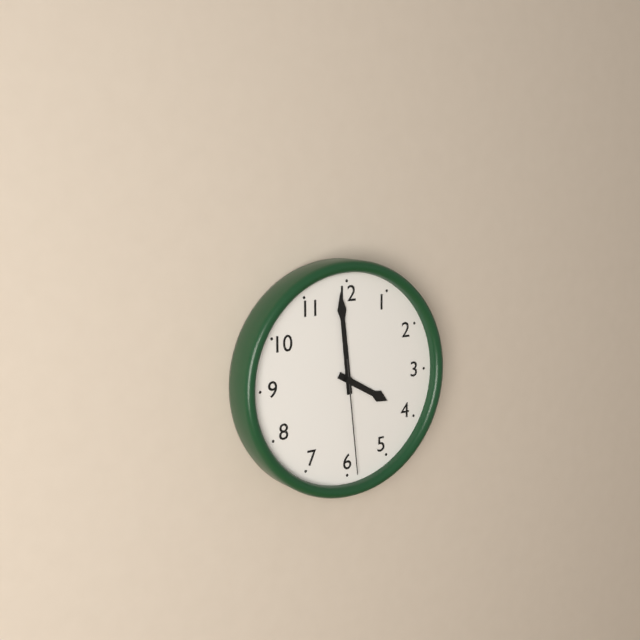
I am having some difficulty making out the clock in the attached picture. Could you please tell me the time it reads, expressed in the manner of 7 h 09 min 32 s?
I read 3 h 59 min 29 s
